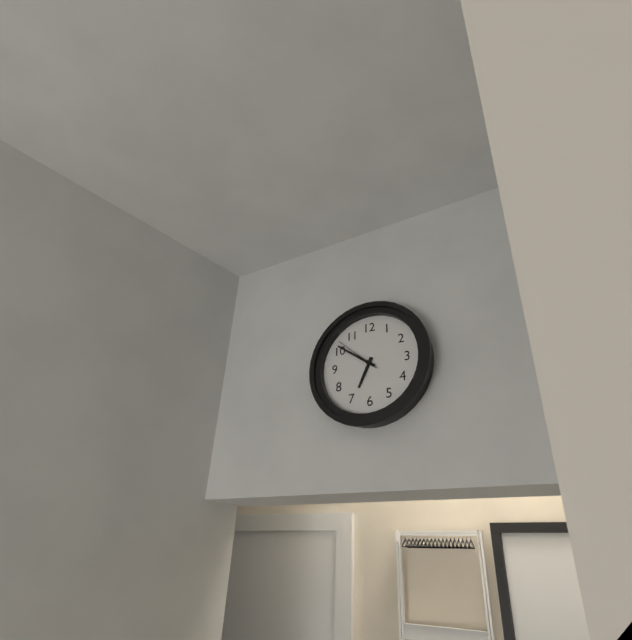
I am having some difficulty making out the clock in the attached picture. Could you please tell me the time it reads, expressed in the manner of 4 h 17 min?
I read 6 h 51 min
